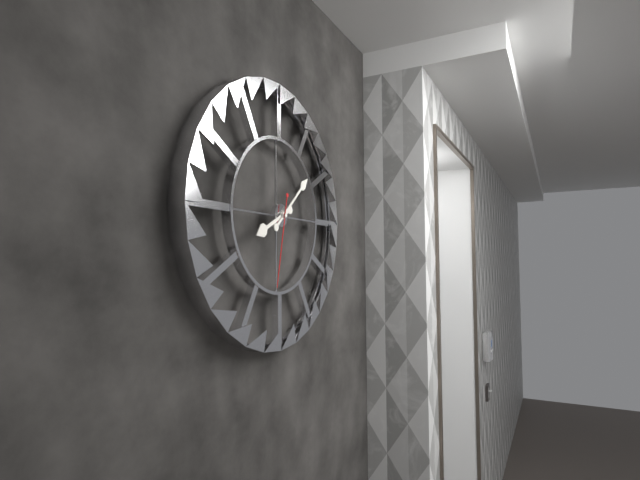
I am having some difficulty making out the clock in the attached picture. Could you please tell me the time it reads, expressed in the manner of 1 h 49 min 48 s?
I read 8 h 08 min 32 s
